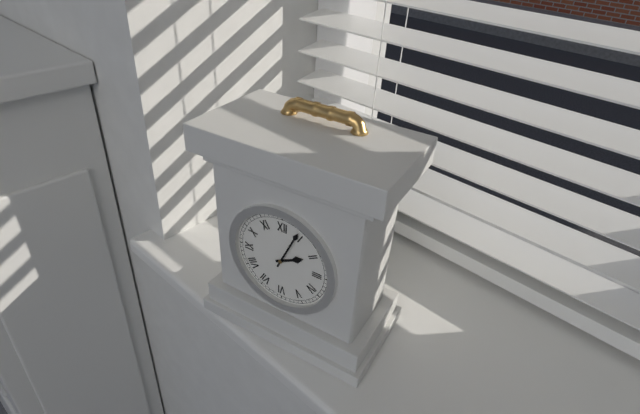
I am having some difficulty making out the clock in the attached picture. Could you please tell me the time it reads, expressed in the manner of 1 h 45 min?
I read 2 h 04 min
